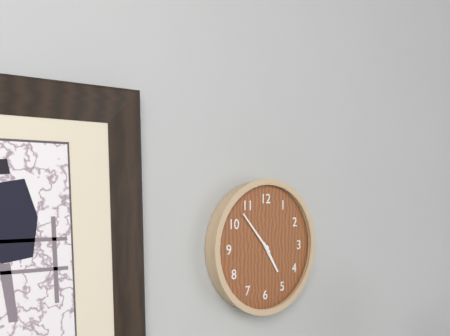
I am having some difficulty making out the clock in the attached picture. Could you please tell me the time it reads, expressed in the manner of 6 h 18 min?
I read 4 h 53 min
